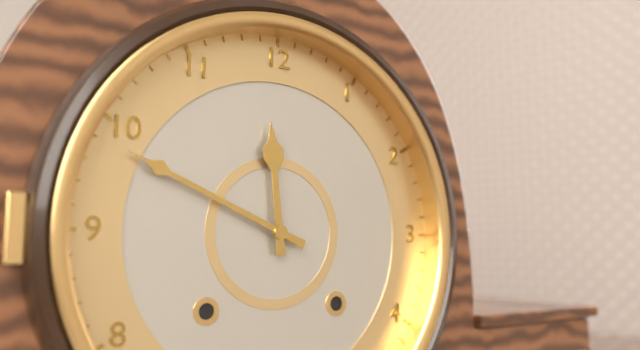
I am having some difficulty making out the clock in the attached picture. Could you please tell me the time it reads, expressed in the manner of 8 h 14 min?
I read 11 h 49 min
